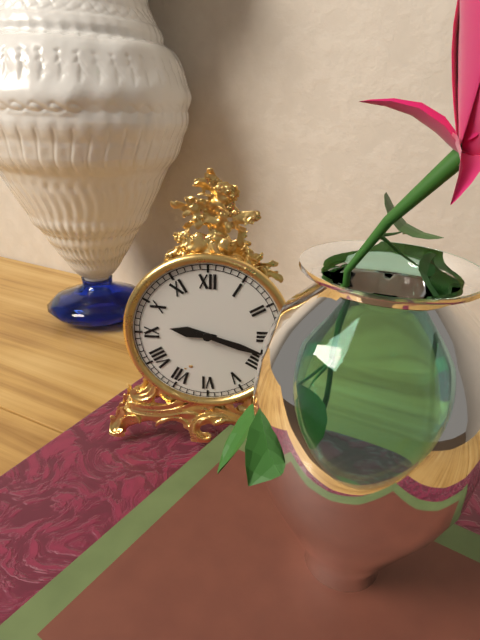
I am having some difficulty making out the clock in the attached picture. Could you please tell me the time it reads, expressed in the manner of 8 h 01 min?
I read 9 h 18 min
